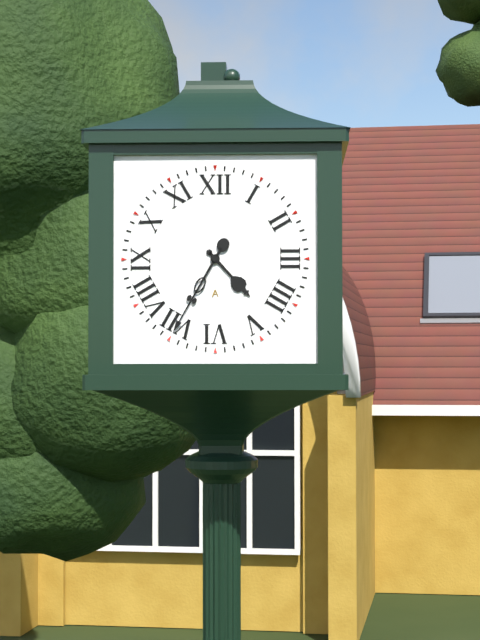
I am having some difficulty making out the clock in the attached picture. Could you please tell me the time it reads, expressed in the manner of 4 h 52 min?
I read 4 h 35 min
